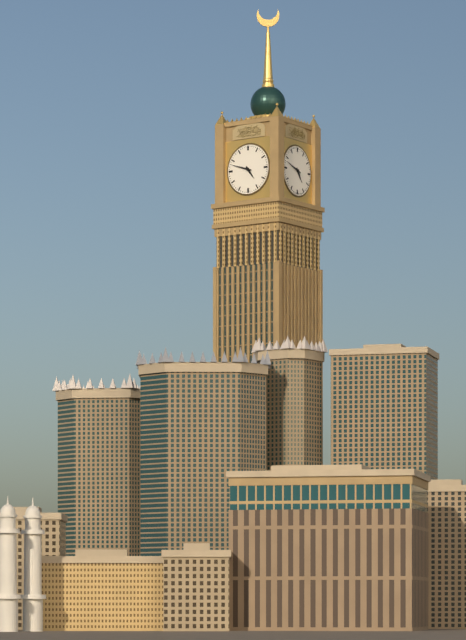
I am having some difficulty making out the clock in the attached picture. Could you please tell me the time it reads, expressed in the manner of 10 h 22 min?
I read 4 h 48 min
